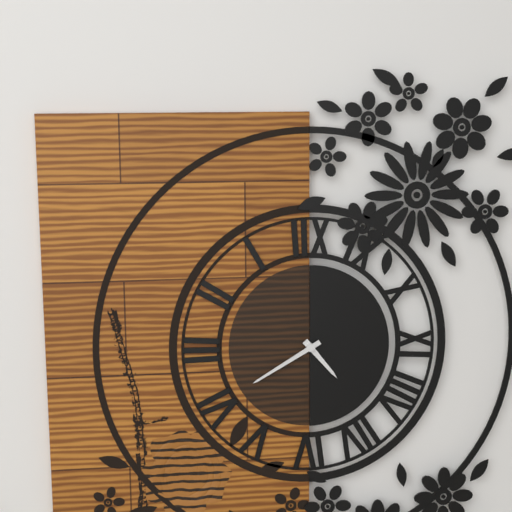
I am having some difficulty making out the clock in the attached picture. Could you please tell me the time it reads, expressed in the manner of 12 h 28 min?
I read 4 h 40 min
